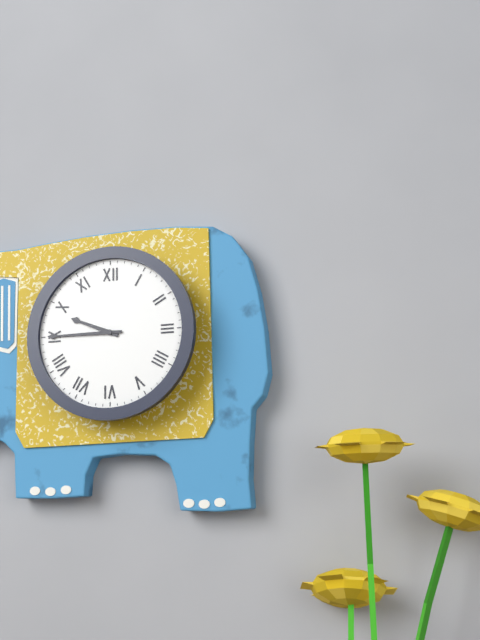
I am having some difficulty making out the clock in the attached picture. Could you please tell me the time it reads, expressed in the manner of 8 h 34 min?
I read 9 h 45 min
